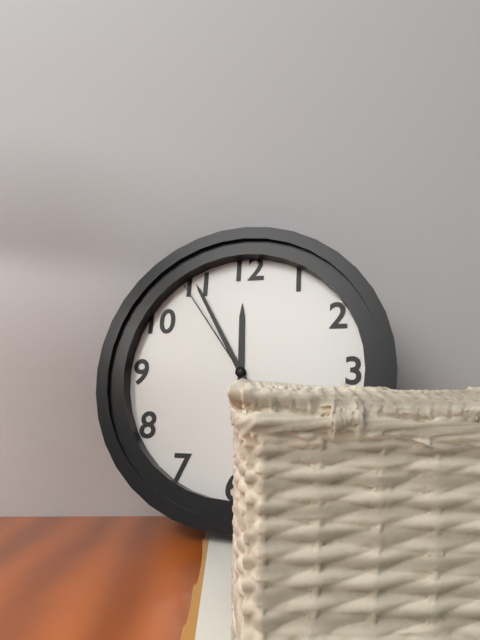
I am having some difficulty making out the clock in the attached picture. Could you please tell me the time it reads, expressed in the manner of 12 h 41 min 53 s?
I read 11 h 55 min 54 s
